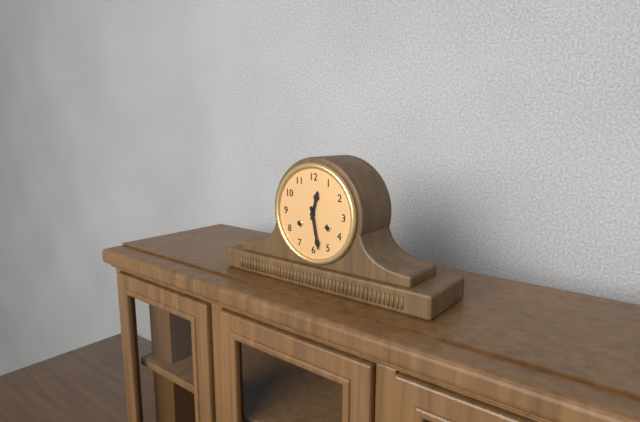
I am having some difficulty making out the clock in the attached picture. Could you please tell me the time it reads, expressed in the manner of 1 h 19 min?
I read 12 h 28 min
